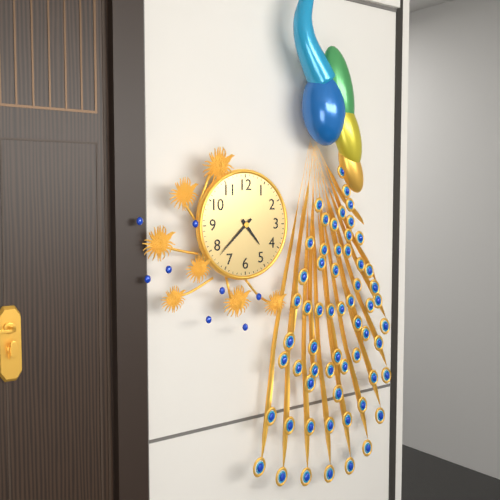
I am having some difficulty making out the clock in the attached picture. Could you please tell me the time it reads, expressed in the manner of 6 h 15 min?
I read 4 h 38 min
